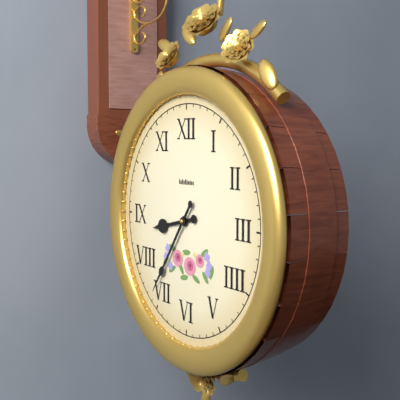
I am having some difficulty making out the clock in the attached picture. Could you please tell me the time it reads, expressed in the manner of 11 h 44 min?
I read 8 h 36 min
